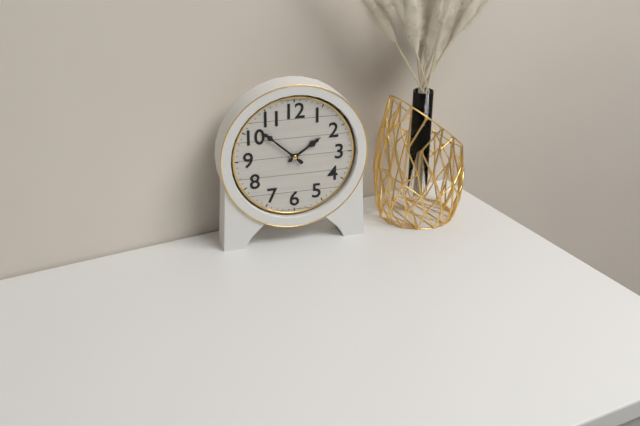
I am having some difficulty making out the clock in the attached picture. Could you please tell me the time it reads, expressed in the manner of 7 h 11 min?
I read 1 h 52 min
